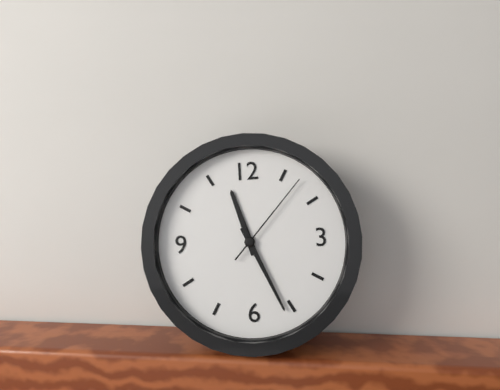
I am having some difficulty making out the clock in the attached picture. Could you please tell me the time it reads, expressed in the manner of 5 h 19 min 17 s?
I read 11 h 26 min 07 s
